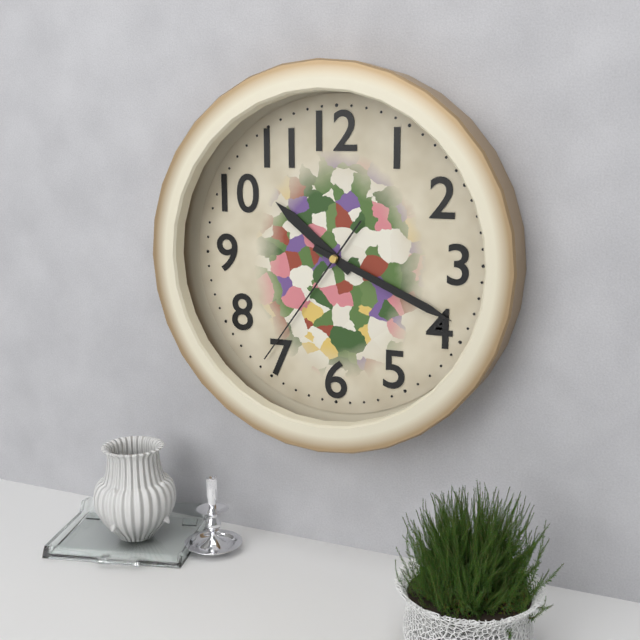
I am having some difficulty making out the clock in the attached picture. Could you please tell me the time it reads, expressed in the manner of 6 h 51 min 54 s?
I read 10 h 19 min 36 s
